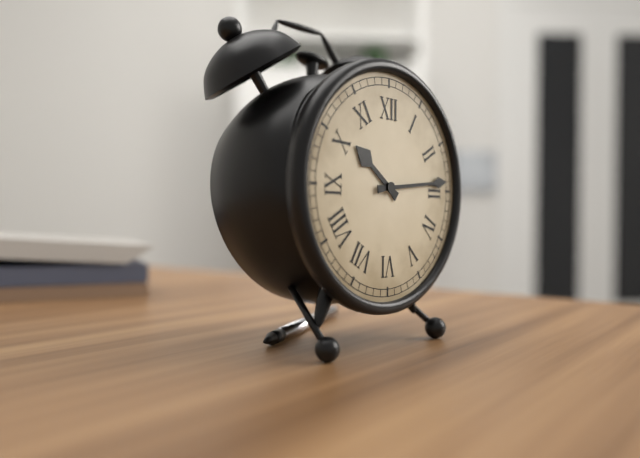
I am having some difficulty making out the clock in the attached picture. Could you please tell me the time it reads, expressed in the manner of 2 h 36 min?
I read 10 h 14 min
